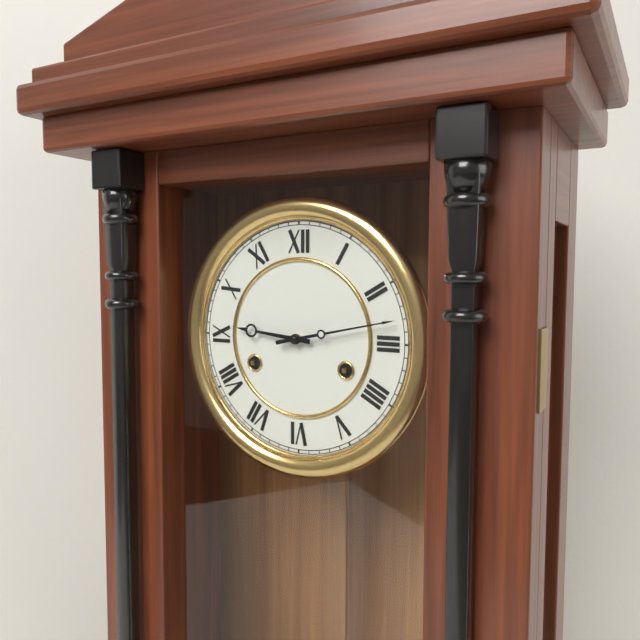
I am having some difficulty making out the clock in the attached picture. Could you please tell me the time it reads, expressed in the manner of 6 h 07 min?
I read 9 h 13 min
